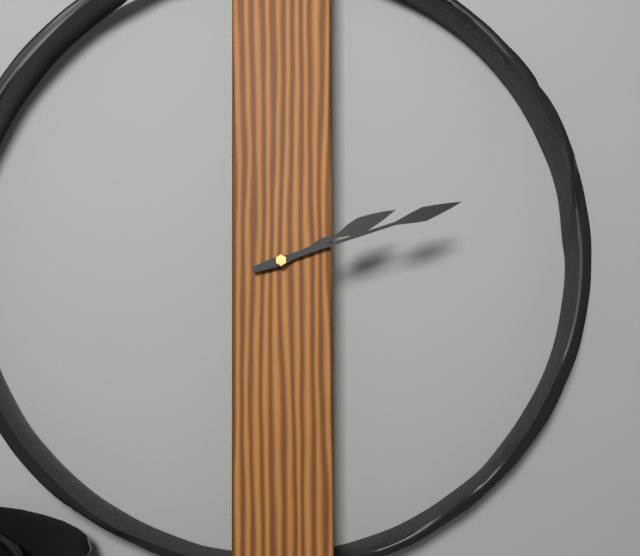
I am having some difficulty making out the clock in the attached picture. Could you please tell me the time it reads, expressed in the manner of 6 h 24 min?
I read 2 h 12 min
